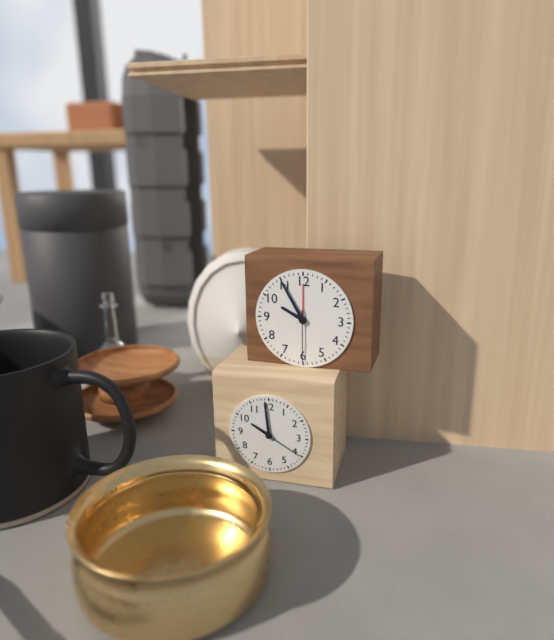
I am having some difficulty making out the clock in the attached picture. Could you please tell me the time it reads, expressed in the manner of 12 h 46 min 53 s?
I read 9 h 55 min 30 s
